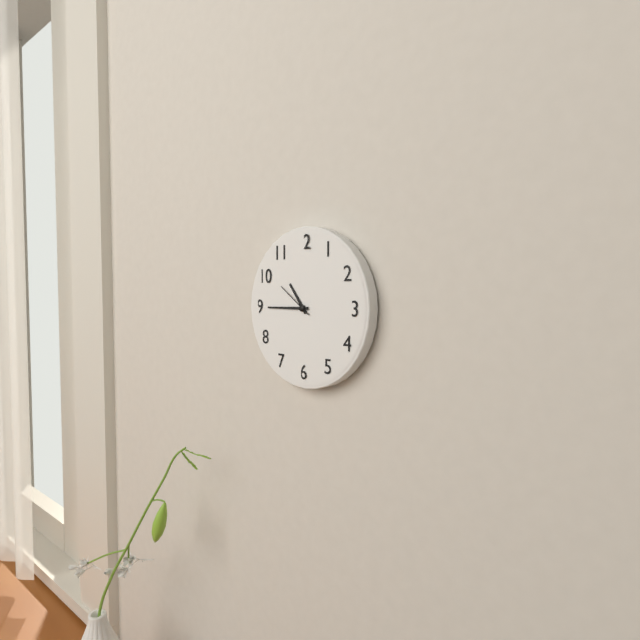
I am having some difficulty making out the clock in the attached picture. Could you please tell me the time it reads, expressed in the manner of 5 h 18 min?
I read 10 h 45 min
